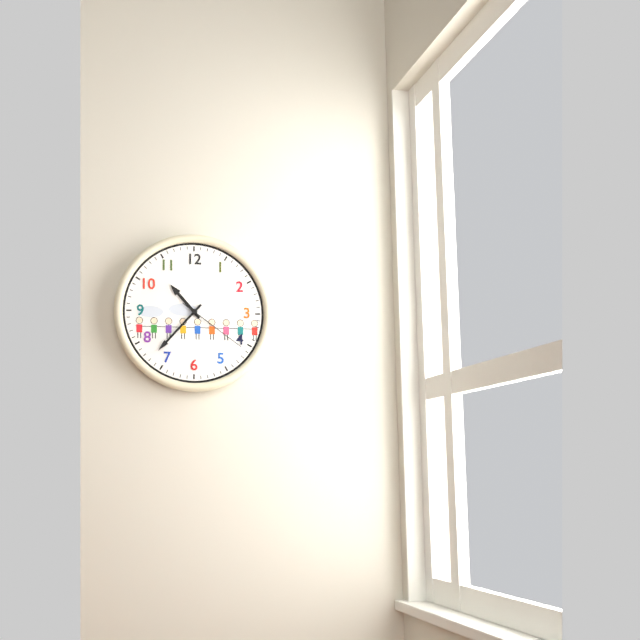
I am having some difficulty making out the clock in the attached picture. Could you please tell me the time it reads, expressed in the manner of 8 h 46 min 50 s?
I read 10 h 37 min 21 s
